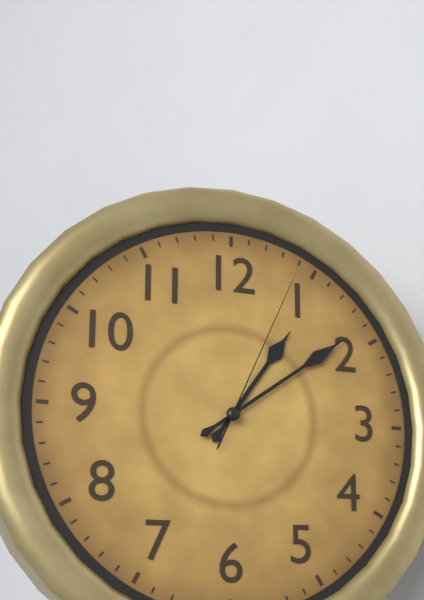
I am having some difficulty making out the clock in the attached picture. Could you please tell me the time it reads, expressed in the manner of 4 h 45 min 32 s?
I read 1 h 09 min 04 s
